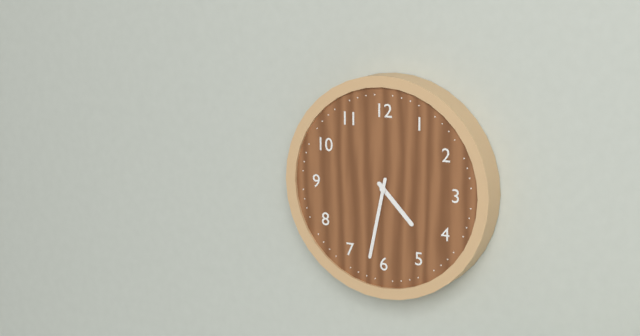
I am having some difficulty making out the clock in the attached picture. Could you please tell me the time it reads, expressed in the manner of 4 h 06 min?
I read 4 h 32 min
